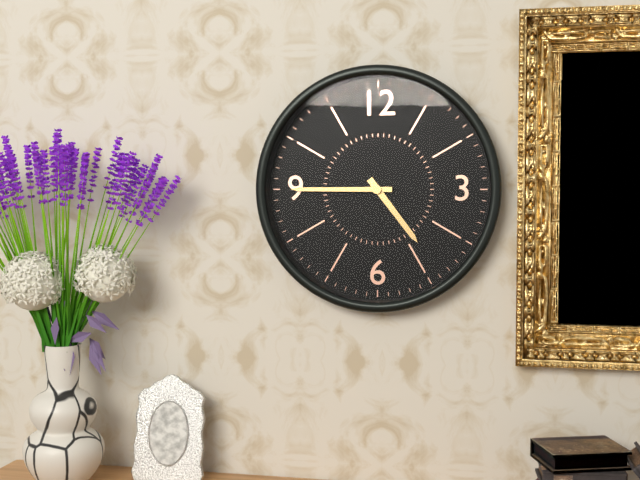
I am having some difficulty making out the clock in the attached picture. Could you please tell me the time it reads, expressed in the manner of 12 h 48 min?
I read 4 h 45 min
